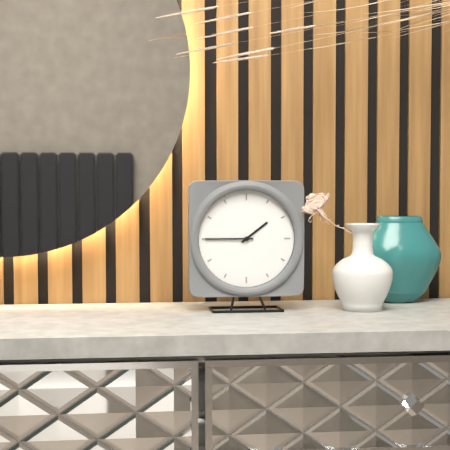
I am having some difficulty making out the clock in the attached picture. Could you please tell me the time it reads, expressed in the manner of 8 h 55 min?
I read 1 h 45 min
